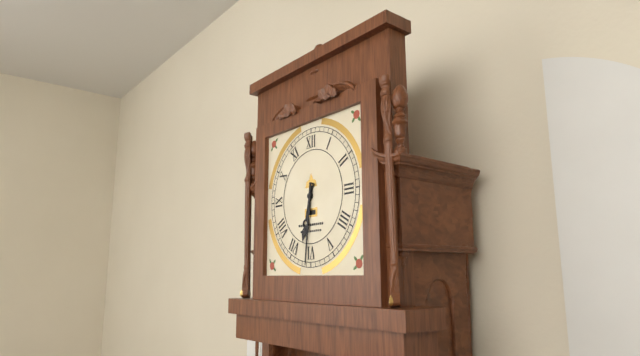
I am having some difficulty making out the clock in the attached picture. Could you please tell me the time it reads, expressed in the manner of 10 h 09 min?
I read 6 h 31 min
